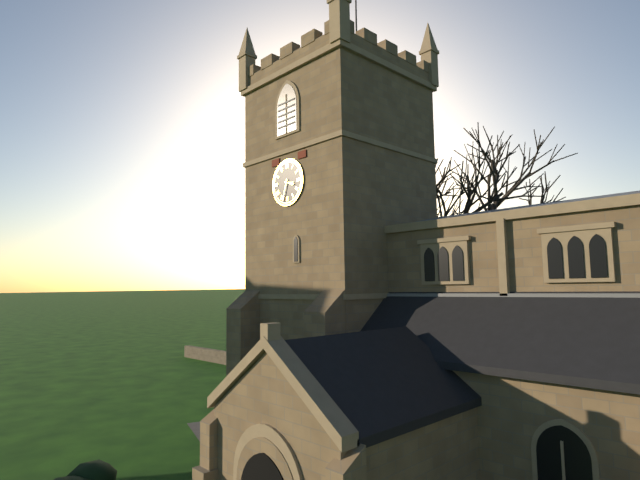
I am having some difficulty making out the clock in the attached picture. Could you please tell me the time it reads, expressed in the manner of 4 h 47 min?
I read 3 h 33 min
